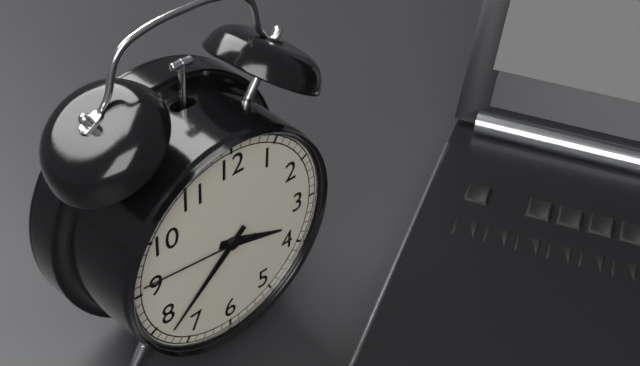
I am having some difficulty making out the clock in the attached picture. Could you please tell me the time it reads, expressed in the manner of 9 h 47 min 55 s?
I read 3 h 38 min 46 s
